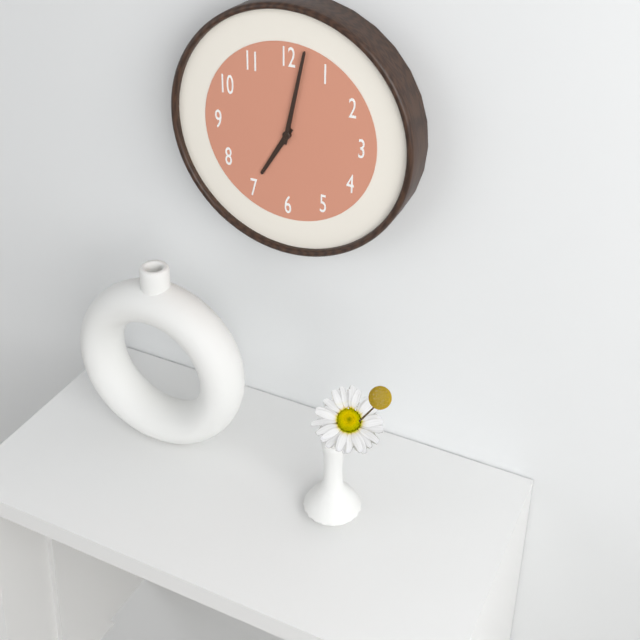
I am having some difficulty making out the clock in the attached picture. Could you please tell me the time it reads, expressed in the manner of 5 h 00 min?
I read 7 h 02 min
